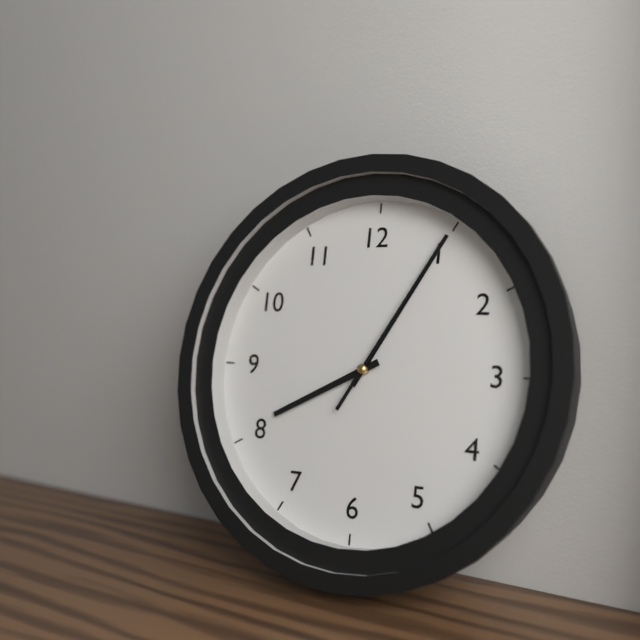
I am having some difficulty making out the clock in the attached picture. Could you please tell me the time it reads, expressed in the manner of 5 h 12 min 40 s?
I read 8 h 05 min 05 s
